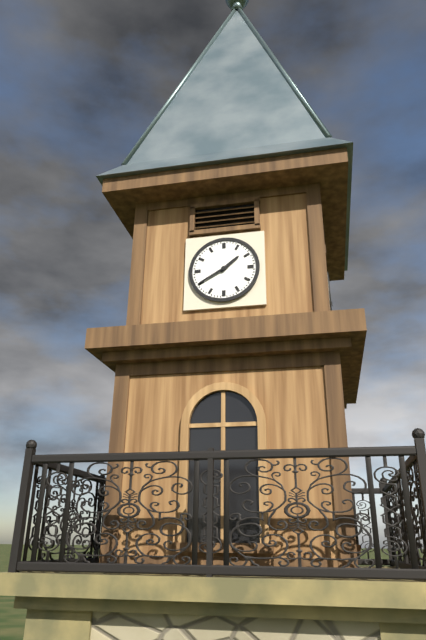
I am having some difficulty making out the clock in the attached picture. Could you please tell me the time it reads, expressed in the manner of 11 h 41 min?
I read 1 h 40 min
